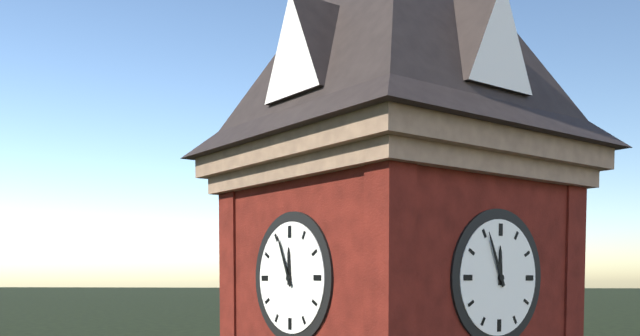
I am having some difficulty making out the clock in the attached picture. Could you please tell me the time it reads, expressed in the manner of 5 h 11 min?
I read 11 h 56 min
